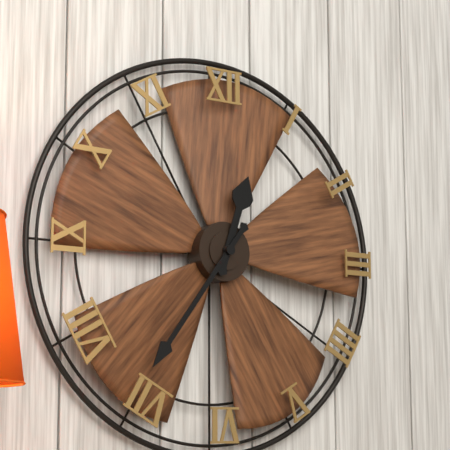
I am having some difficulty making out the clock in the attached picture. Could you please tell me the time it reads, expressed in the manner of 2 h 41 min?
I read 12 h 36 min
